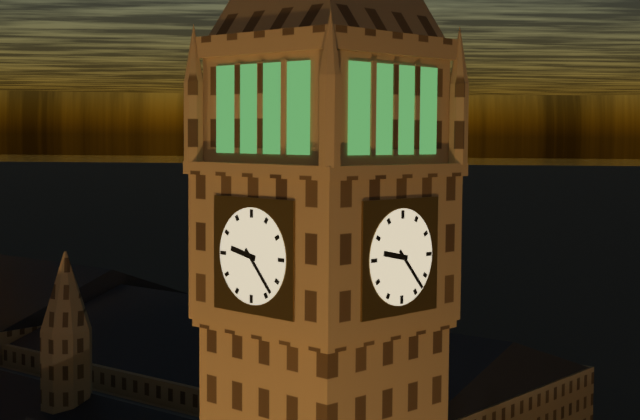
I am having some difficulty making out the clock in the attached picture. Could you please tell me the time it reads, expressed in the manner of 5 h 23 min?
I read 9 h 23 min
